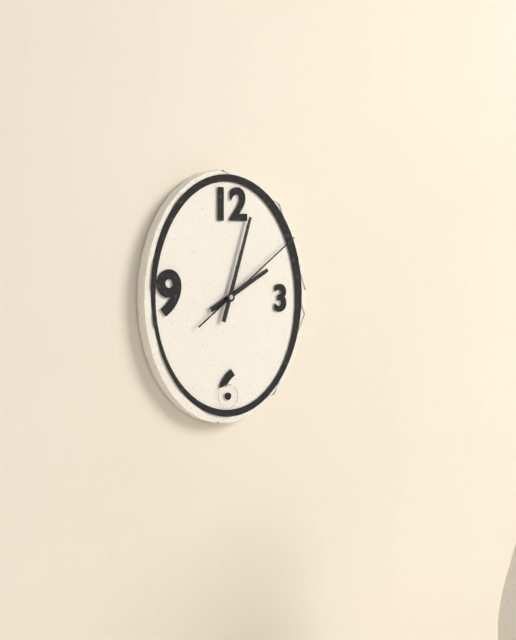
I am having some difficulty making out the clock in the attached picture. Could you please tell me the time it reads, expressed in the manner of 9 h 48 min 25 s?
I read 2 h 03 min 09 s
